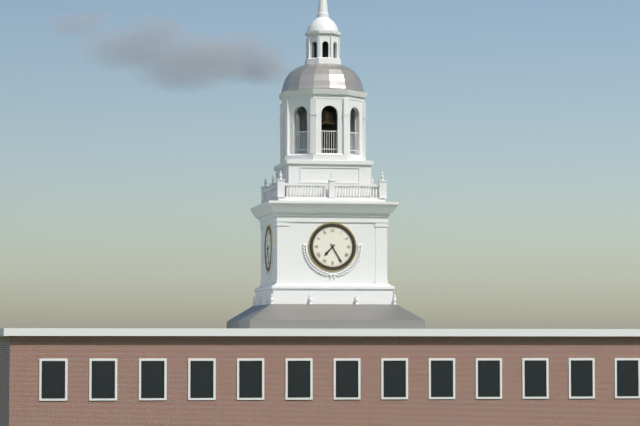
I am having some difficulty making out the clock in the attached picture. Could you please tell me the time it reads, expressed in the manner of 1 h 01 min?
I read 7 h 25 min
